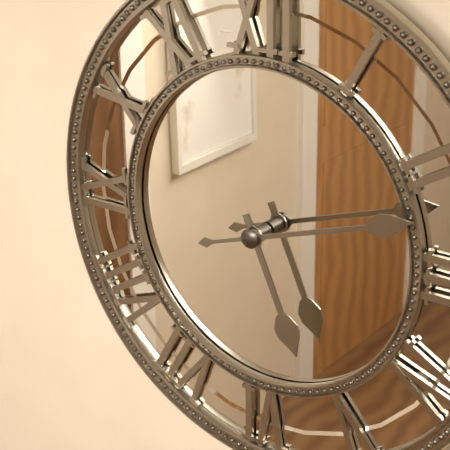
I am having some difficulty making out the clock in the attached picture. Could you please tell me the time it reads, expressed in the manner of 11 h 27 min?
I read 5 h 12 min
